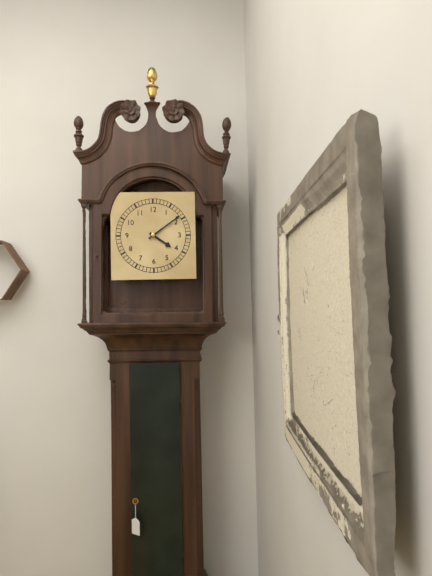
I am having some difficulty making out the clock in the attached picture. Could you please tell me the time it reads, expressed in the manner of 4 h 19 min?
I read 4 h 09 min
